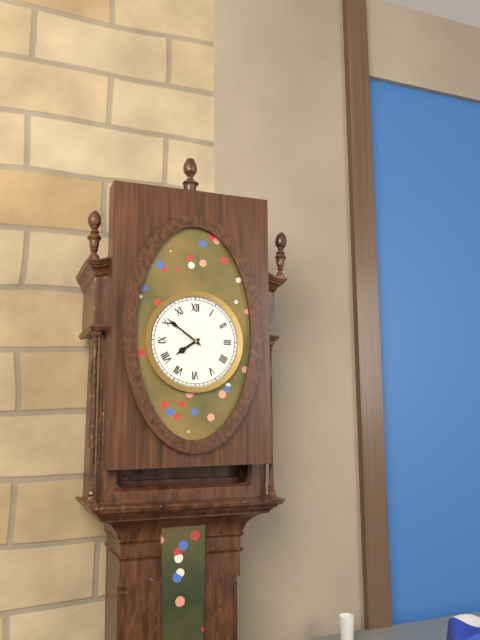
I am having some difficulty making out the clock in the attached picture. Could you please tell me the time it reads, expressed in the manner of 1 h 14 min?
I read 7 h 51 min
